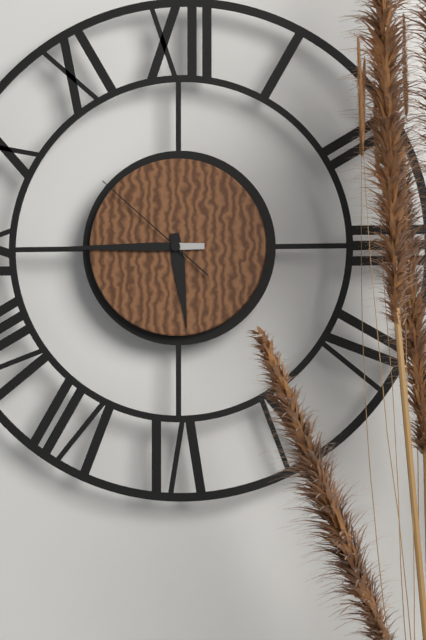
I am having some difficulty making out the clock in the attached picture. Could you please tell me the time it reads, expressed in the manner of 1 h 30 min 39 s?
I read 5 h 45 min 52 s
